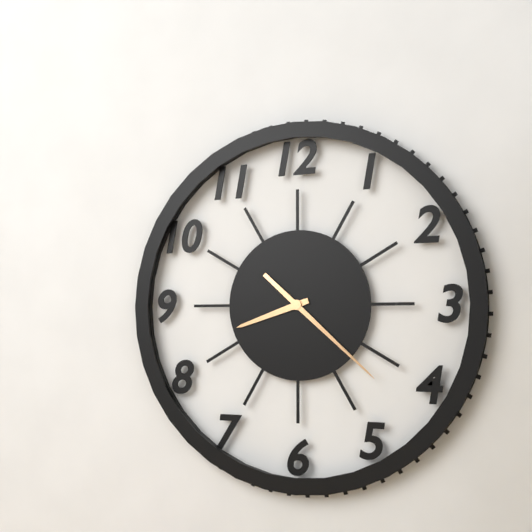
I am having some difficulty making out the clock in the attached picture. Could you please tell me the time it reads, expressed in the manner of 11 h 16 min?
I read 8 h 22 min
